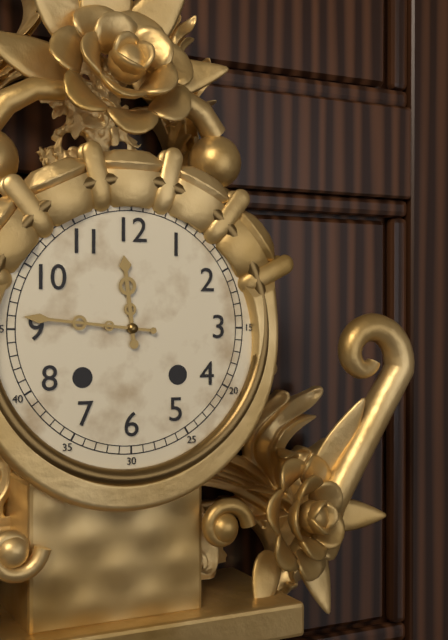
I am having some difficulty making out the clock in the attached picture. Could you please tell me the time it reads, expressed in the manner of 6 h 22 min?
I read 11 h 46 min
